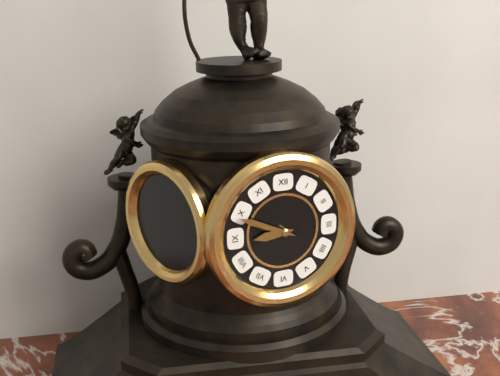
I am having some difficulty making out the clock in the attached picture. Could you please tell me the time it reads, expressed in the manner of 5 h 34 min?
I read 8 h 49 min
